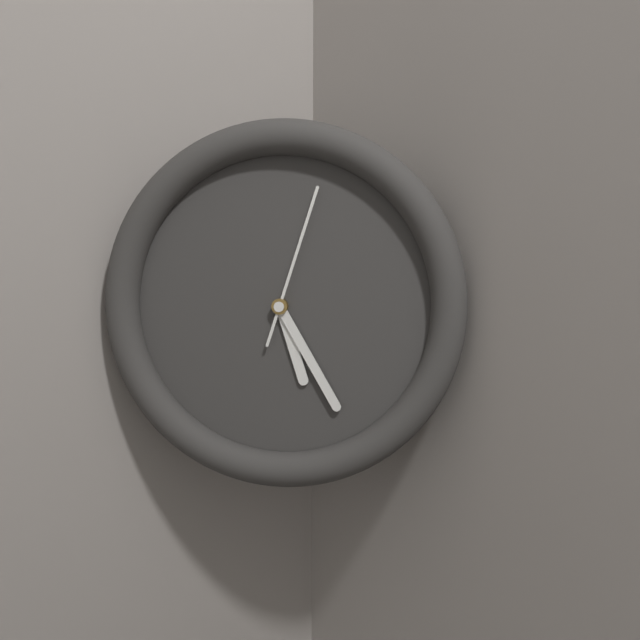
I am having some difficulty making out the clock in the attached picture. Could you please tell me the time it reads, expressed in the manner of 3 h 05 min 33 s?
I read 5 h 25 min 03 s
